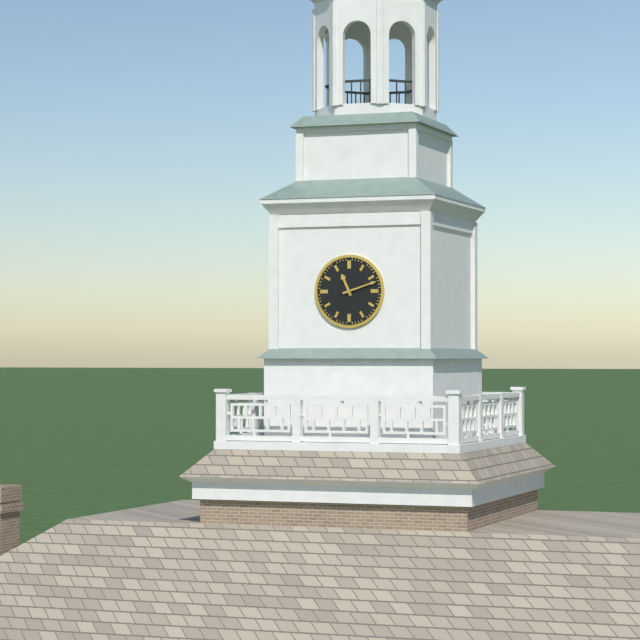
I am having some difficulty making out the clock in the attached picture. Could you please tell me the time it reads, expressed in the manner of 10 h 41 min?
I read 11 h 12 min
